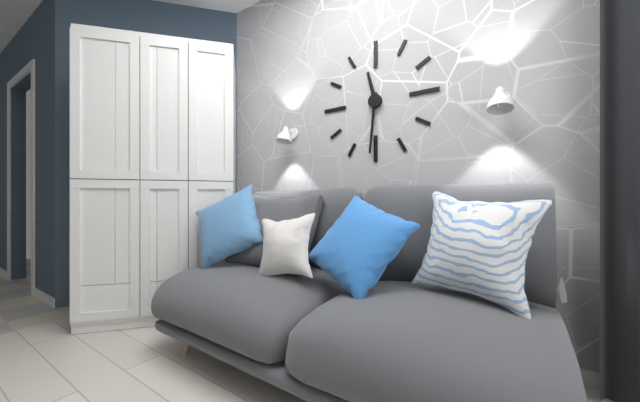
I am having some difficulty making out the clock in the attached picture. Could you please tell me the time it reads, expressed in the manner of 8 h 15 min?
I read 11 h 31 min
